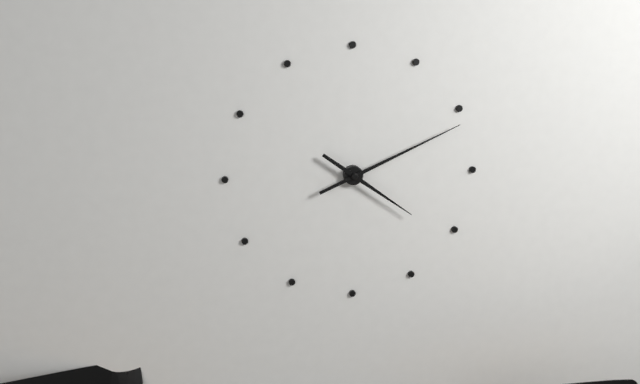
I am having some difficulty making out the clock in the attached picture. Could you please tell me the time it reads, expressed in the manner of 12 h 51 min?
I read 4 h 11 min
